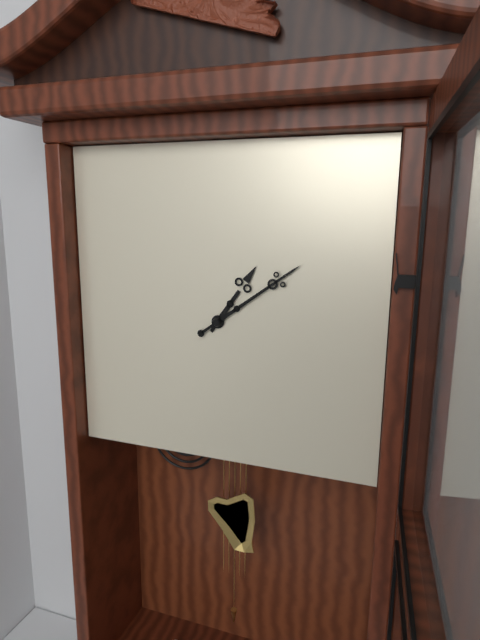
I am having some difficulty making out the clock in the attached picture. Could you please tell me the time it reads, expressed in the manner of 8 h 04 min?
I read 1 h 09 min
